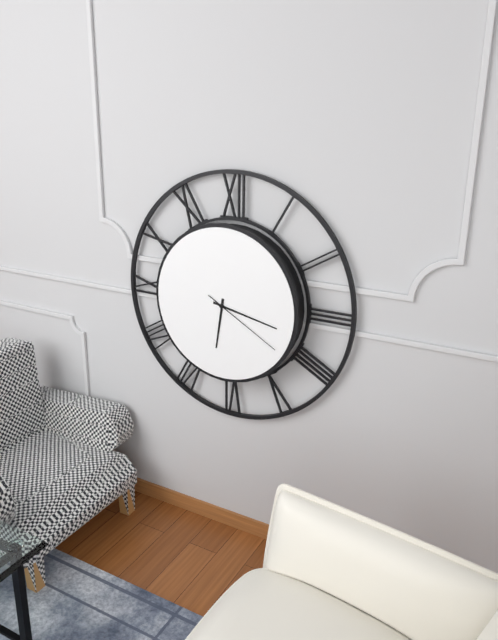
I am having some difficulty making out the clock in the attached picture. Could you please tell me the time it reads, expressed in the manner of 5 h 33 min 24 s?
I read 6 h 17 min 20 s
